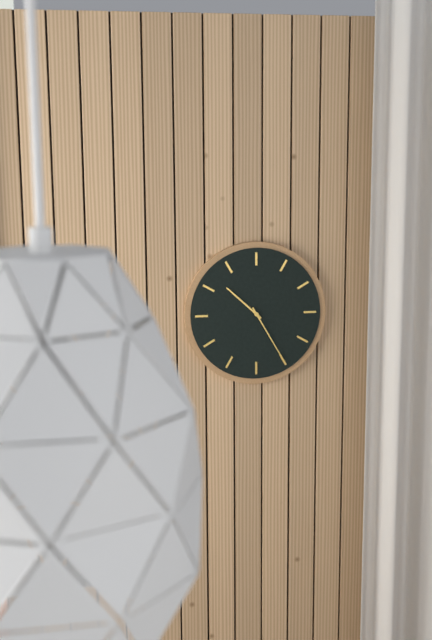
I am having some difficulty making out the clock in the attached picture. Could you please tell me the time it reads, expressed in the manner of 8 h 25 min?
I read 10 h 25 min
